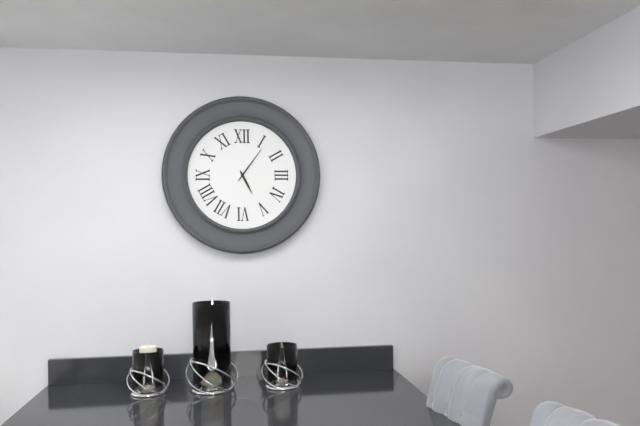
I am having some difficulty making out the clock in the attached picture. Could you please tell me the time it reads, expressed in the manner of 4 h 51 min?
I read 5 h 06 min
